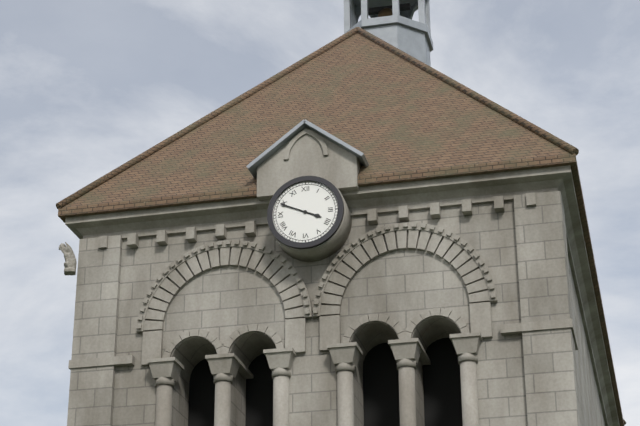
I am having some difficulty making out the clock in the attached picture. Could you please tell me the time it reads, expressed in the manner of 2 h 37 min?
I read 3 h 49 min
